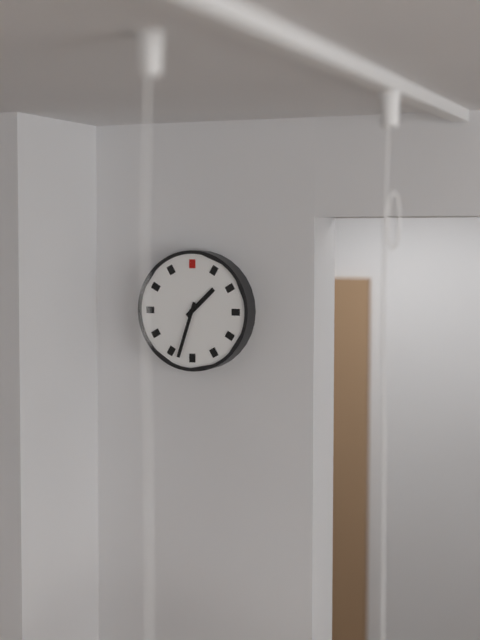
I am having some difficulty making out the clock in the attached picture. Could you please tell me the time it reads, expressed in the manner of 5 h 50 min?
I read 1 h 33 min
